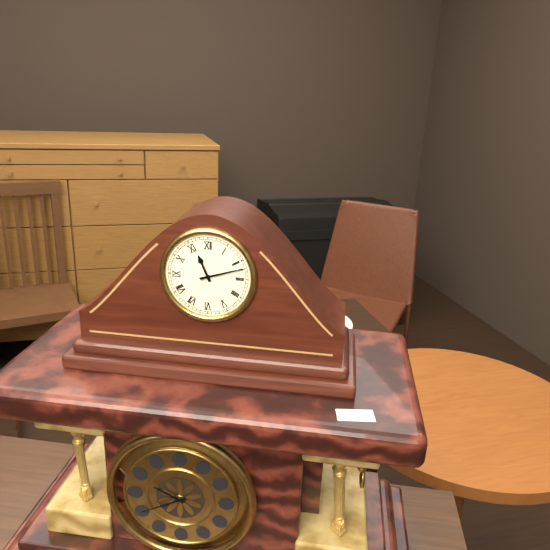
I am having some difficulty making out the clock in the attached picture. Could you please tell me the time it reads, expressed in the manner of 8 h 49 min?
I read 11 h 12 min
